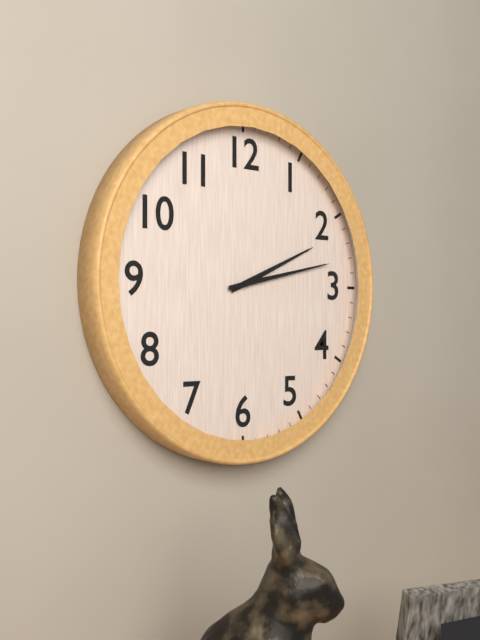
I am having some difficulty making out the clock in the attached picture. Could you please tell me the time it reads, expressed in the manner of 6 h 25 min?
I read 2 h 13 min
